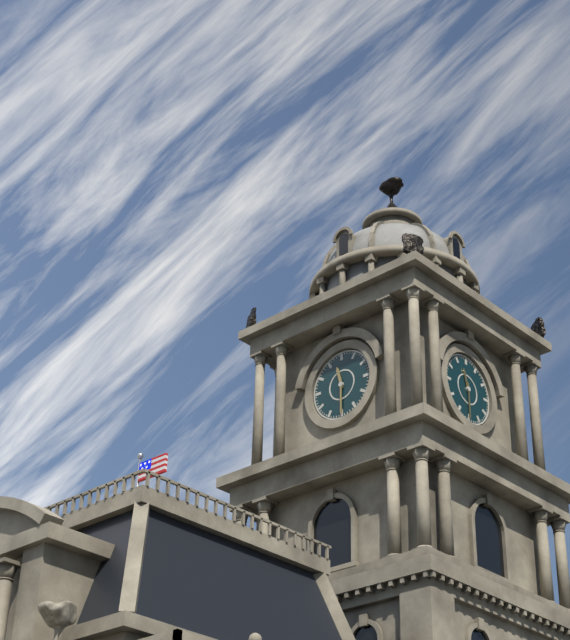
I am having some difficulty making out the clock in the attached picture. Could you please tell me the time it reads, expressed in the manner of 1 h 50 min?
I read 11 h 30 min
